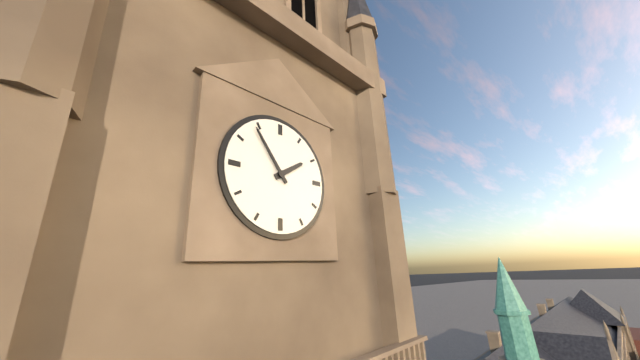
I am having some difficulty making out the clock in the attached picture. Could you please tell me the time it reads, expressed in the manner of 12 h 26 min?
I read 1 h 54 min
